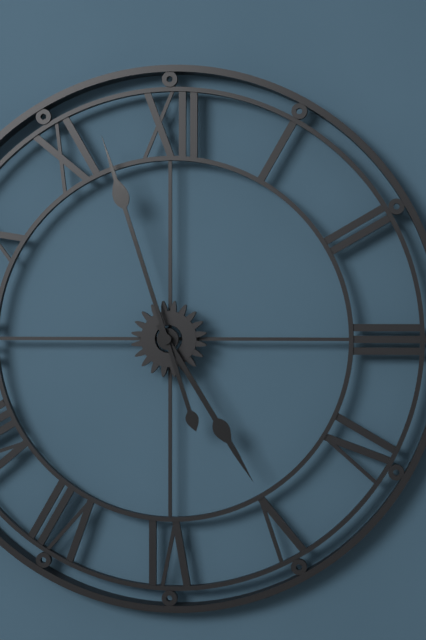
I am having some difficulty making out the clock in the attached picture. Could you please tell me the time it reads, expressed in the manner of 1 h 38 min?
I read 4 h 57 min
